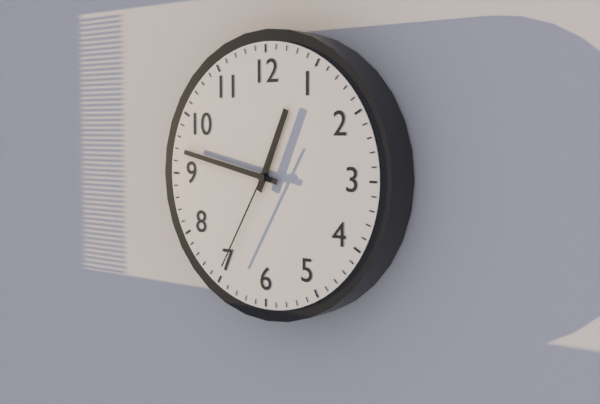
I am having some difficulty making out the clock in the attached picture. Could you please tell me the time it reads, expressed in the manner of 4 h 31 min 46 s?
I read 12 h 47 min 35 s
